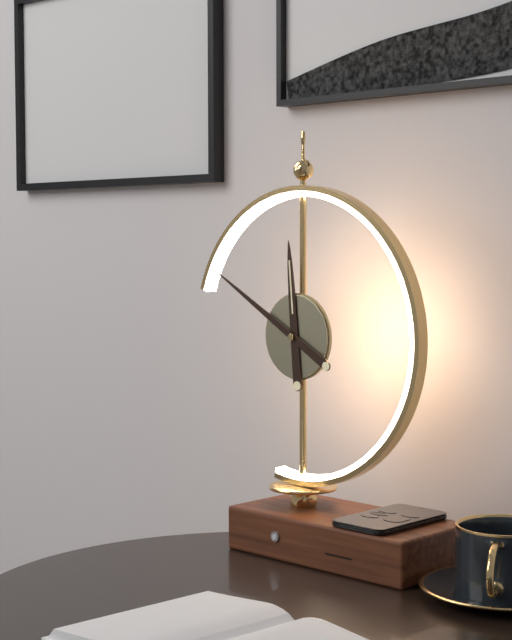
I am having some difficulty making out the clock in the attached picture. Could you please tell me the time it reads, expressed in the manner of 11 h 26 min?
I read 11 h 50 min
